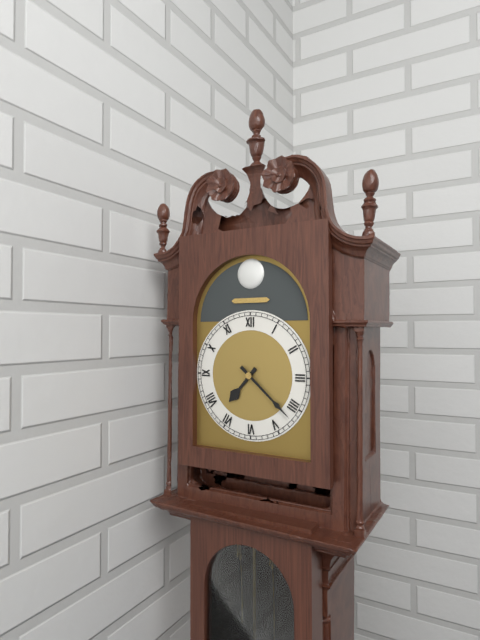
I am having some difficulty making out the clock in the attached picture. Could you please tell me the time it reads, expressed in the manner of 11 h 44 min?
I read 7 h 22 min
